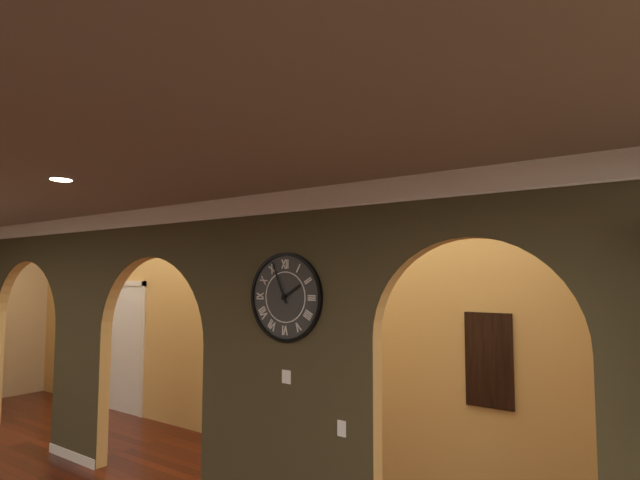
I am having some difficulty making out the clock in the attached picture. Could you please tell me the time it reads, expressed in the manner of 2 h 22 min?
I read 1 h 56 min
